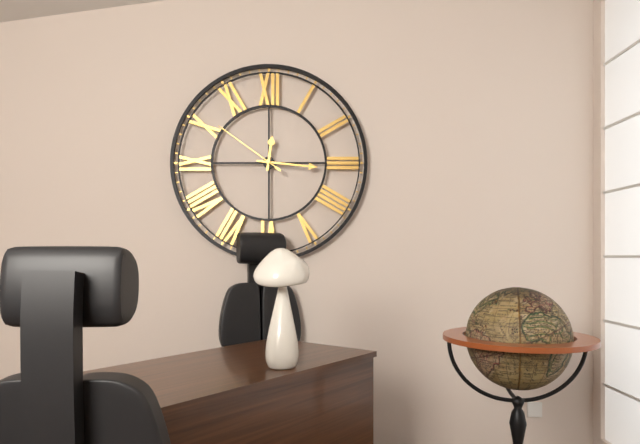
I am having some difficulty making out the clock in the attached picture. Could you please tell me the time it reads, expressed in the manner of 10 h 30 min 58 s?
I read 12 h 16 min 51 s
